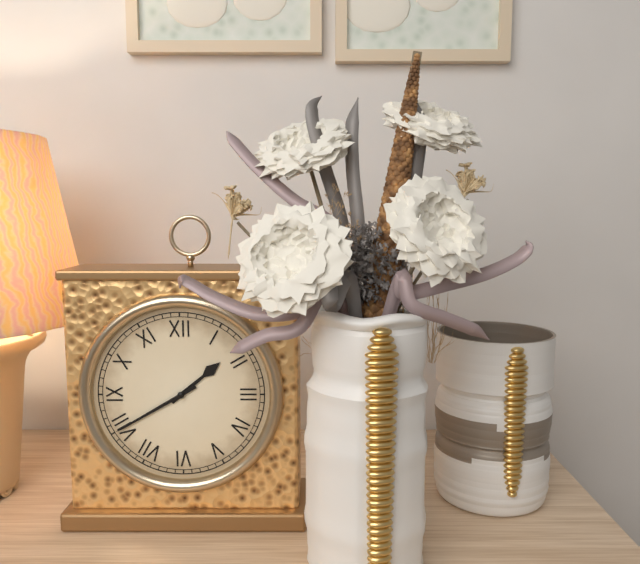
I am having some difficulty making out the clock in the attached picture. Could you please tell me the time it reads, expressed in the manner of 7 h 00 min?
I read 1 h 40 min
